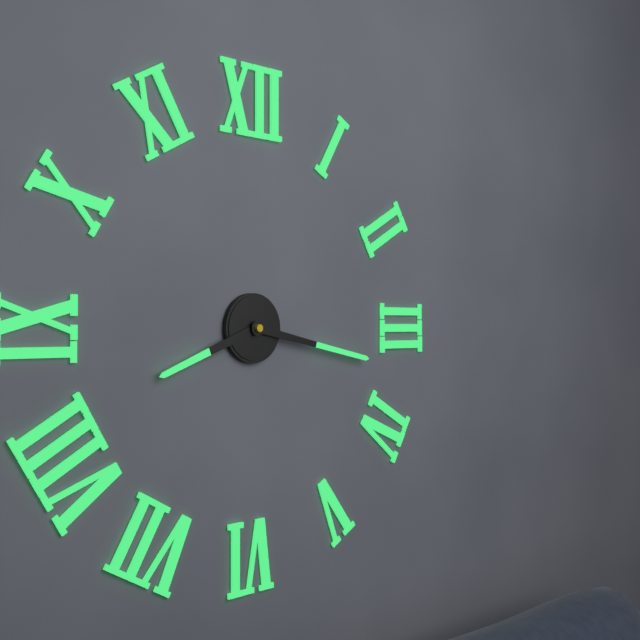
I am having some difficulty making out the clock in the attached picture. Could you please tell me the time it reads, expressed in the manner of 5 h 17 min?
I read 8 h 17 min
